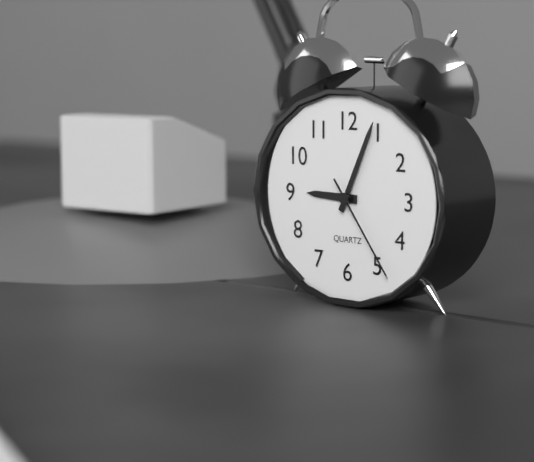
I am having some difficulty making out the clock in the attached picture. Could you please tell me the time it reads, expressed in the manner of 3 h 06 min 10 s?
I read 9 h 04 min 24 s
